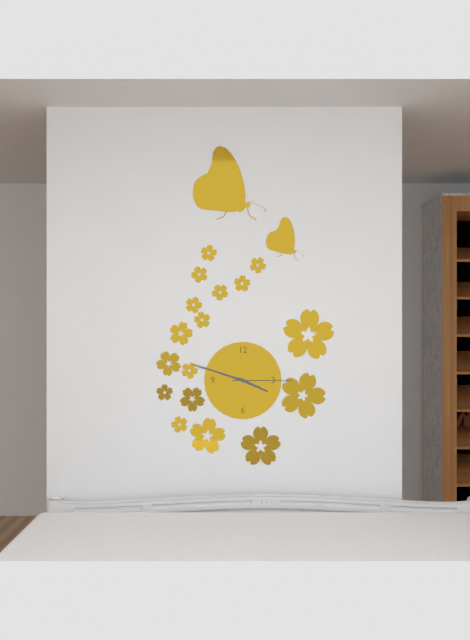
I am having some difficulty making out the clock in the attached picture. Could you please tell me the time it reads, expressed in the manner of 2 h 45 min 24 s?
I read 3 h 48 min 15 s
